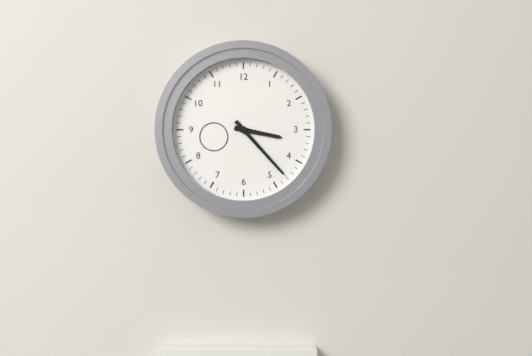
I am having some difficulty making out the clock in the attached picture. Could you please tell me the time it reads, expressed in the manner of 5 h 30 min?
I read 3 h 23 min
